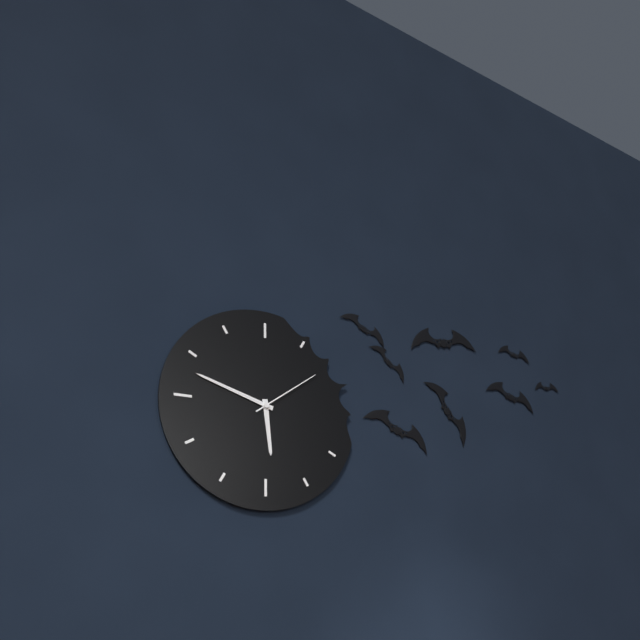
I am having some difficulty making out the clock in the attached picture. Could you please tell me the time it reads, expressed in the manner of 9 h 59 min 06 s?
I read 5 h 48 min 09 s
